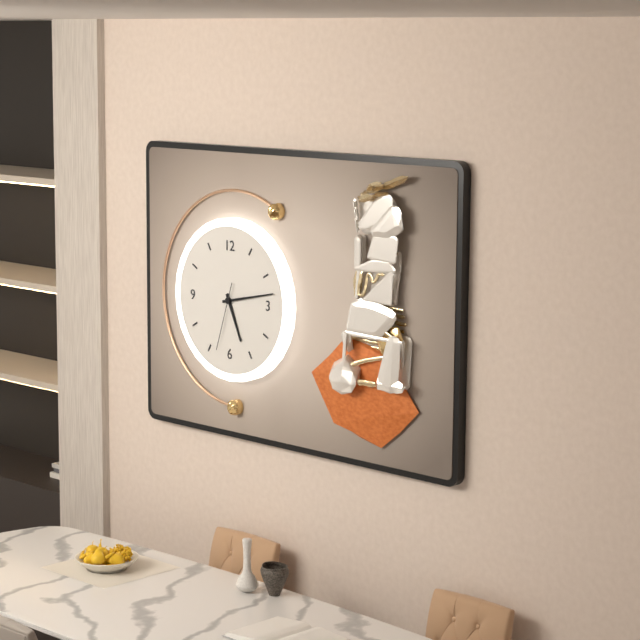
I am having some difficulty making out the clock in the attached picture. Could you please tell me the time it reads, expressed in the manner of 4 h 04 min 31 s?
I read 5 h 13 min 33 s
